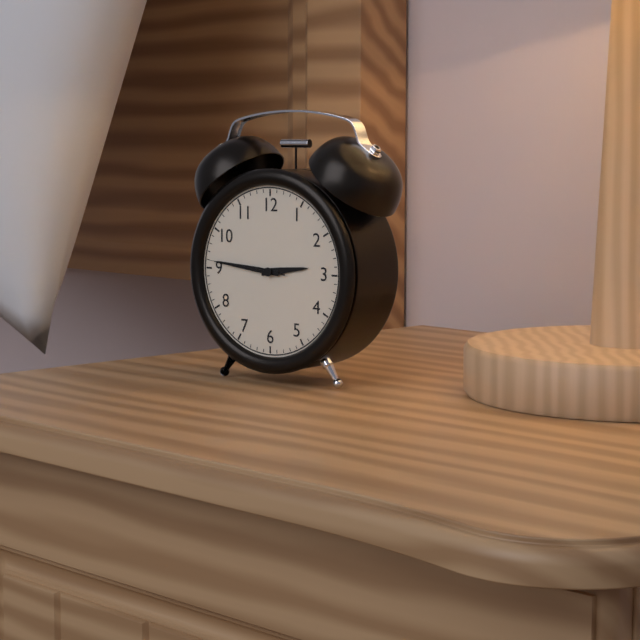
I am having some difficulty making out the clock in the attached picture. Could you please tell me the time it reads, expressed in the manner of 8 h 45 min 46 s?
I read 2 h 46 min 46 s
